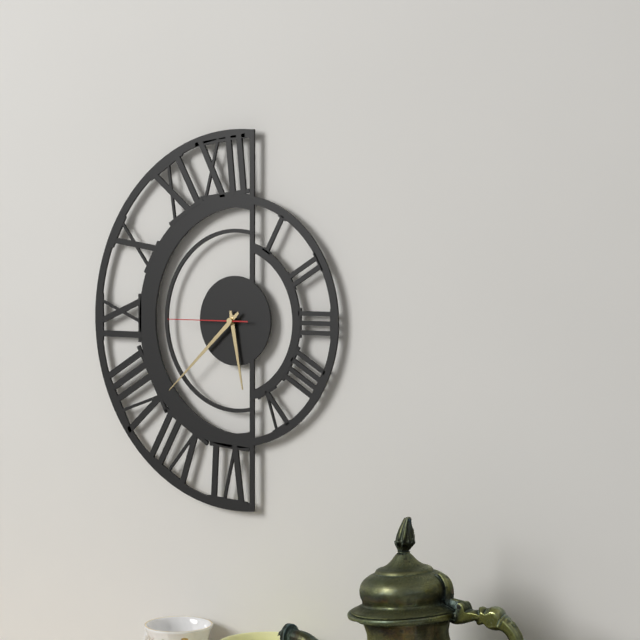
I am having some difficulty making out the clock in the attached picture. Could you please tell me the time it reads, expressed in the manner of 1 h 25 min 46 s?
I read 5 h 38 min 45 s
